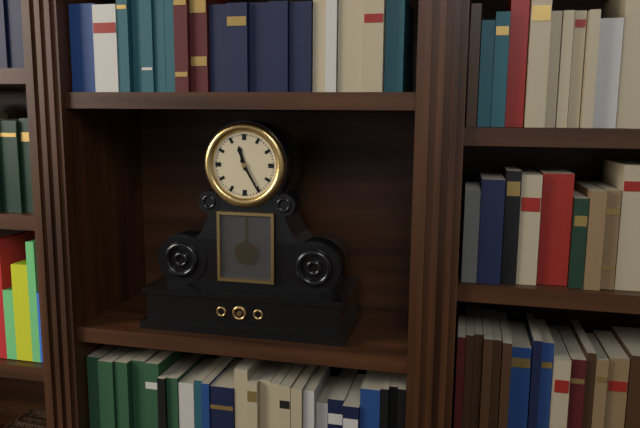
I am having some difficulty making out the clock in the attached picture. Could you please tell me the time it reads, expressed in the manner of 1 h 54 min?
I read 11 h 25 min
